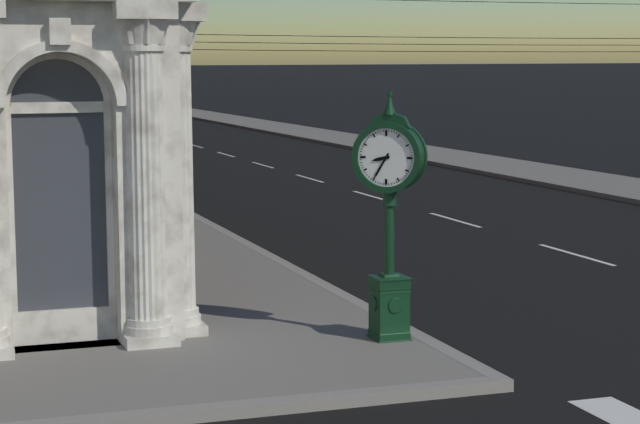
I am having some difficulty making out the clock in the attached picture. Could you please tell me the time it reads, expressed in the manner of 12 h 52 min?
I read 8 h 35 min
